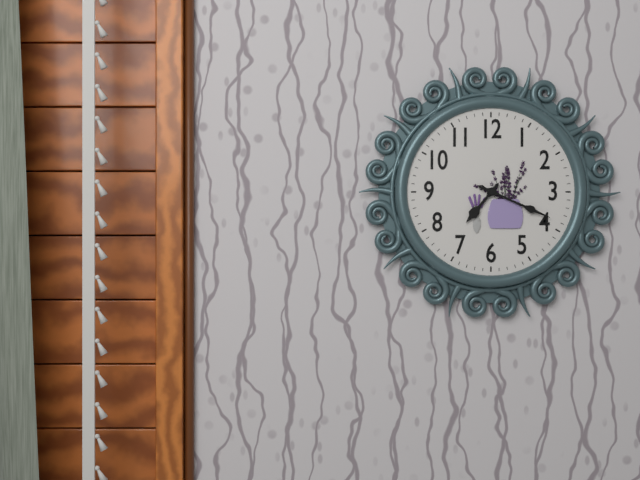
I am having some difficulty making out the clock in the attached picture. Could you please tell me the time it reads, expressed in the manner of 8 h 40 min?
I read 7 h 19 min
